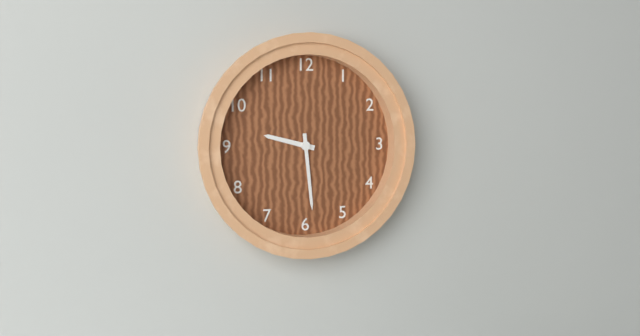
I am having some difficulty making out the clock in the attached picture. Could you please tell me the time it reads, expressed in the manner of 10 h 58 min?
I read 9 h 29 min
